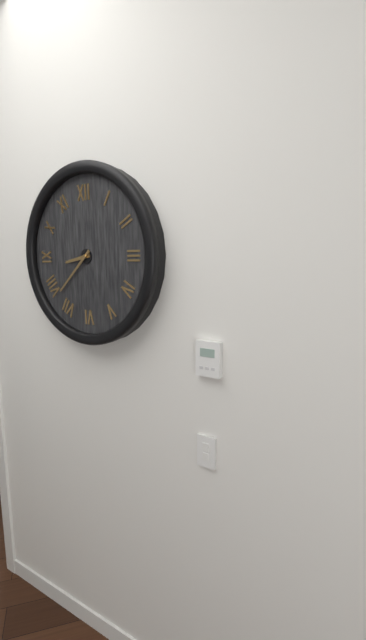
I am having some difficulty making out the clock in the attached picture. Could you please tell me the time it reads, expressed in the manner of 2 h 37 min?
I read 8 h 38 min
